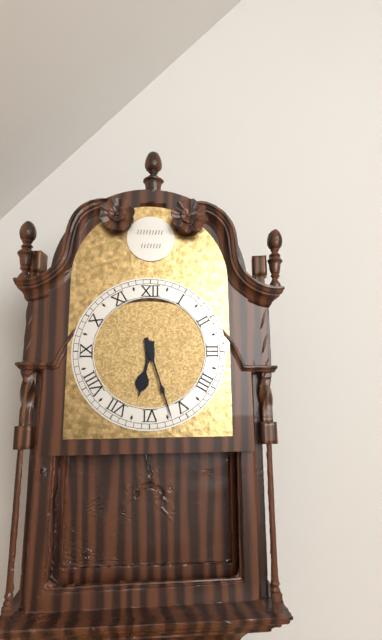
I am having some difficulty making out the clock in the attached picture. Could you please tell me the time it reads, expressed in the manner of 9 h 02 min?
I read 6 h 27 min
